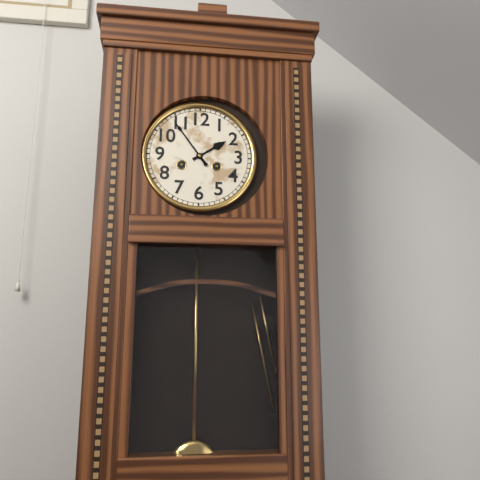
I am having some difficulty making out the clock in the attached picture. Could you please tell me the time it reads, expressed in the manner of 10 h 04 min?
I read 1 h 54 min
